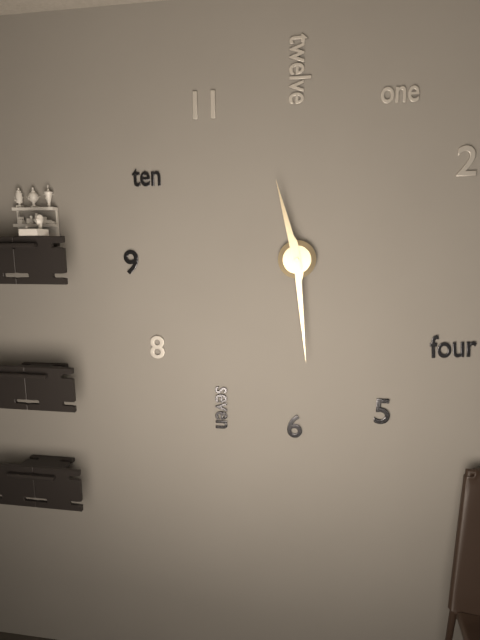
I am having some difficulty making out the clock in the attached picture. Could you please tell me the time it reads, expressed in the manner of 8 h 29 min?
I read 11 h 29 min
